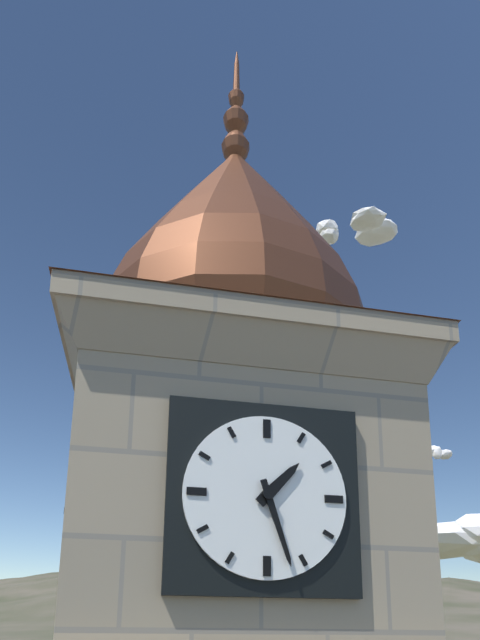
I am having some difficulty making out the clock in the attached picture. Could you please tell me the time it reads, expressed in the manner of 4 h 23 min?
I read 1 h 27 min
